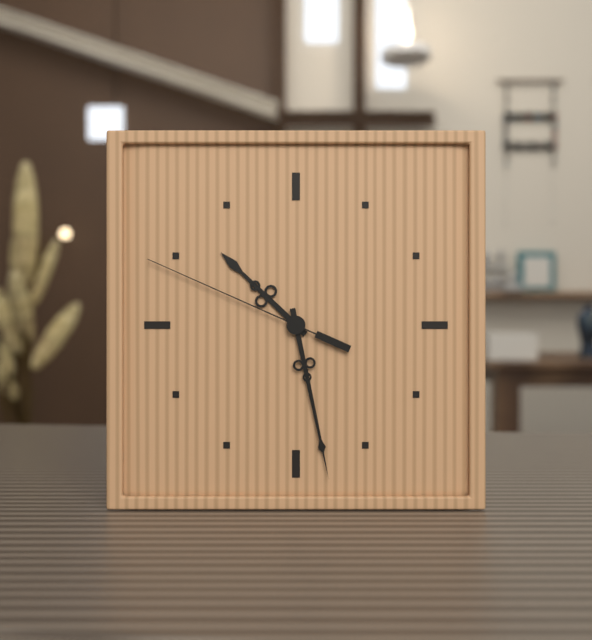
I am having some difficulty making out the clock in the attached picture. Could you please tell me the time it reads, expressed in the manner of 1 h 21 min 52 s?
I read 10 h 28 min 49 s
